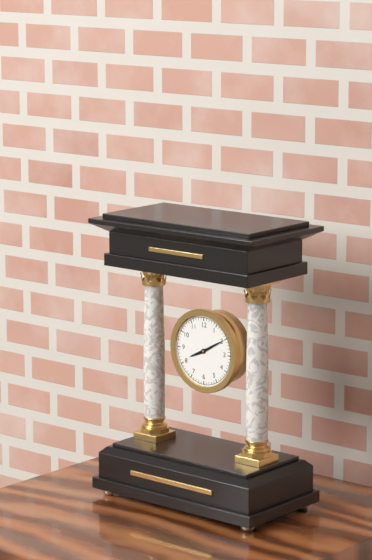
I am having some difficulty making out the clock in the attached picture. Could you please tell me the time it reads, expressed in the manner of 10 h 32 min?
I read 8 h 10 min
